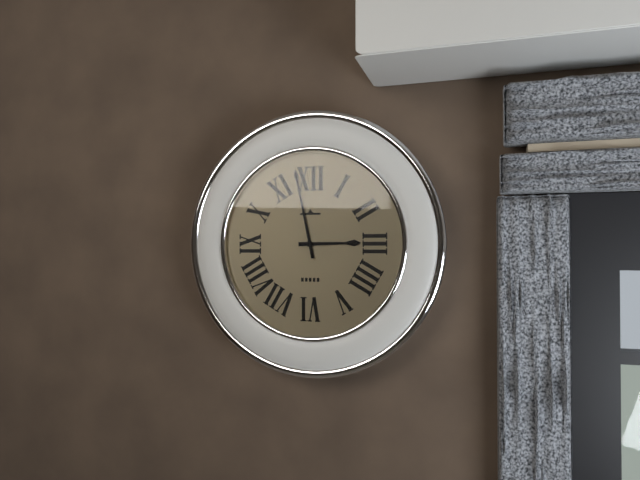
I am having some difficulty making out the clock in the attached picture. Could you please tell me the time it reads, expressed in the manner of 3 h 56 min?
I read 2 h 58 min
